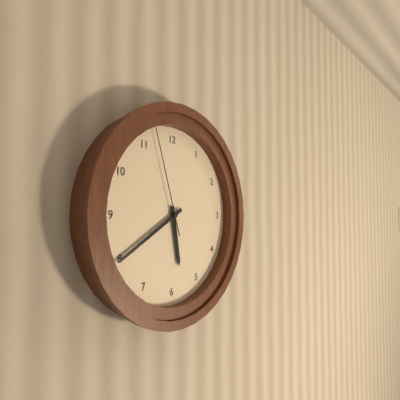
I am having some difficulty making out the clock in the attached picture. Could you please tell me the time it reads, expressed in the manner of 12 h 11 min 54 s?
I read 5 h 40 min 57 s
